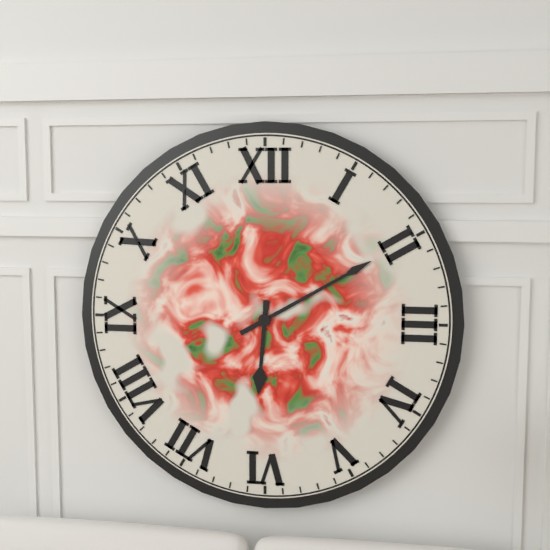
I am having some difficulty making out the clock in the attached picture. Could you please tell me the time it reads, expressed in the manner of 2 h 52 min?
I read 6 h 10 min
